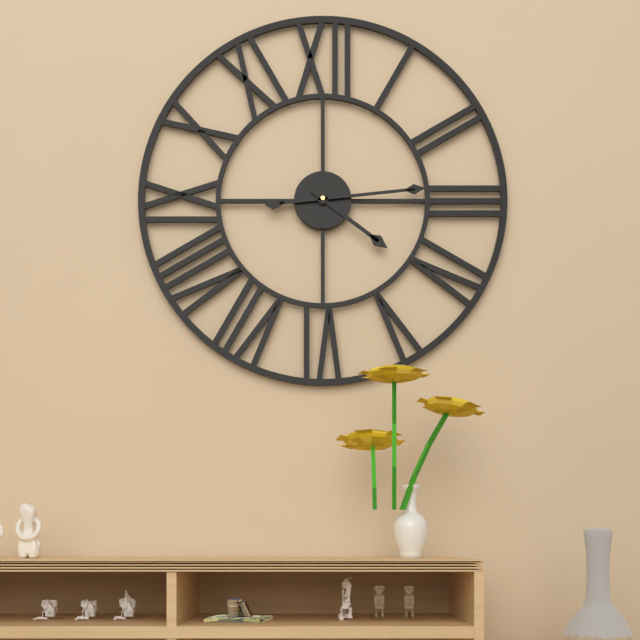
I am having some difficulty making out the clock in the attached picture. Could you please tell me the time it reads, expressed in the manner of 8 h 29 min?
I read 4 h 14 min
